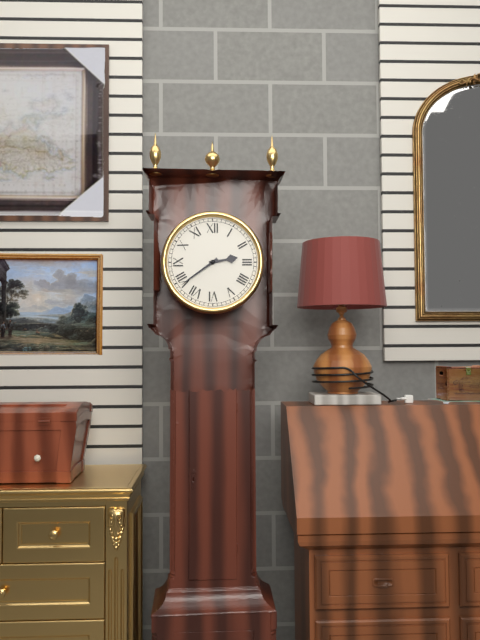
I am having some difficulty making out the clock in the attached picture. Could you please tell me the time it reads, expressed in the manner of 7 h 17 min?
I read 2 h 39 min
